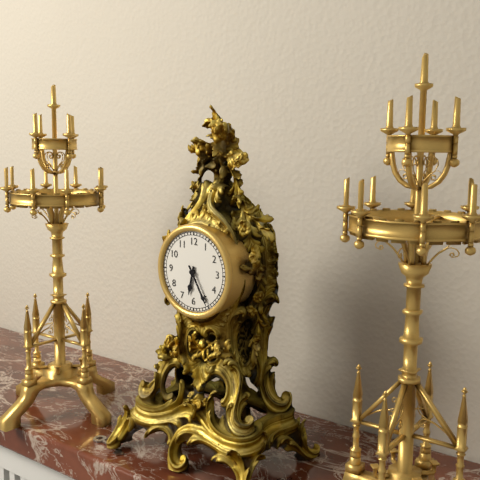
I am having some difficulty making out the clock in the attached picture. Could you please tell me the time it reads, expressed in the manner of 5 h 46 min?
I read 6 h 25 min
